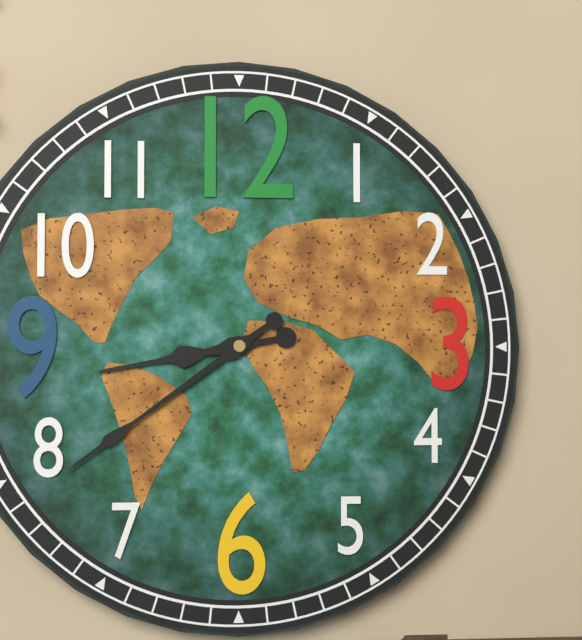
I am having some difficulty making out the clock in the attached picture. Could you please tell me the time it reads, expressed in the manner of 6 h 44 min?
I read 8 h 39 min
